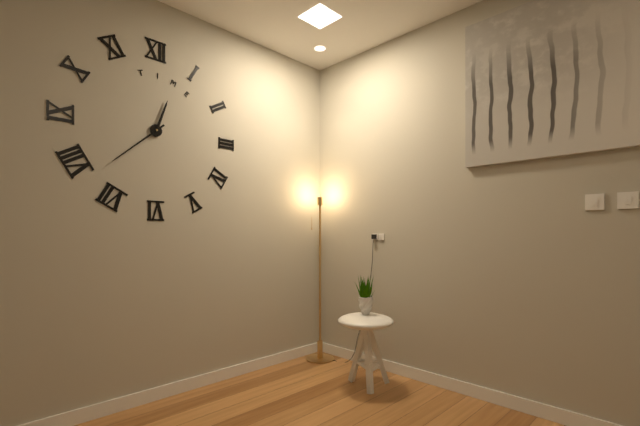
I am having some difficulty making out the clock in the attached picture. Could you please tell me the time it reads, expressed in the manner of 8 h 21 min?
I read 12 h 38 min
